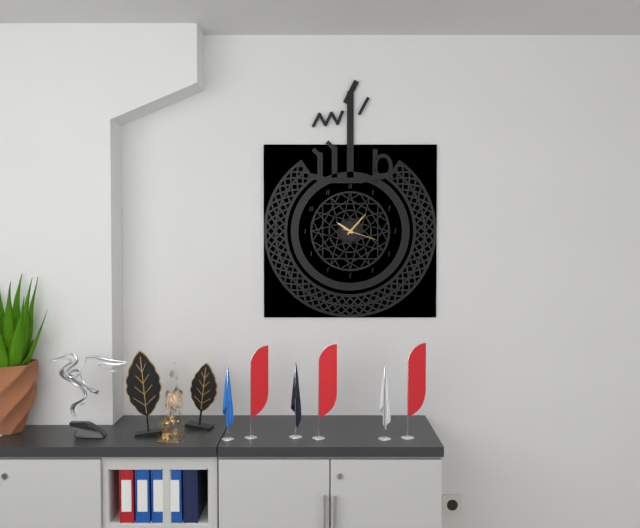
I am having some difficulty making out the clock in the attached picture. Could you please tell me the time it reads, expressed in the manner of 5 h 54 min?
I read 10 h 07 min
